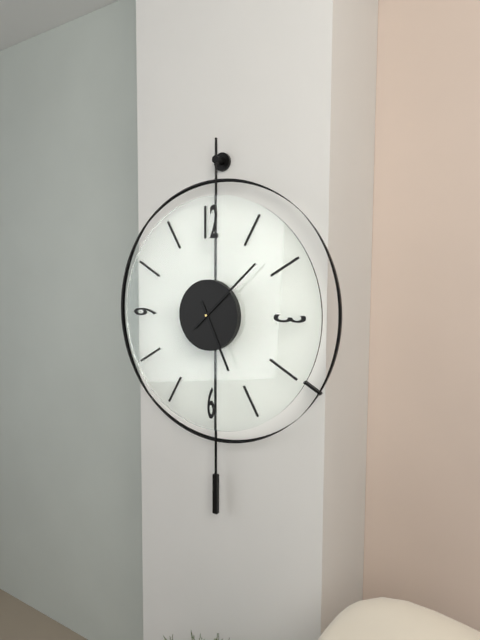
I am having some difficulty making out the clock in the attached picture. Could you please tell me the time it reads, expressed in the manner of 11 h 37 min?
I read 5 h 08 min
